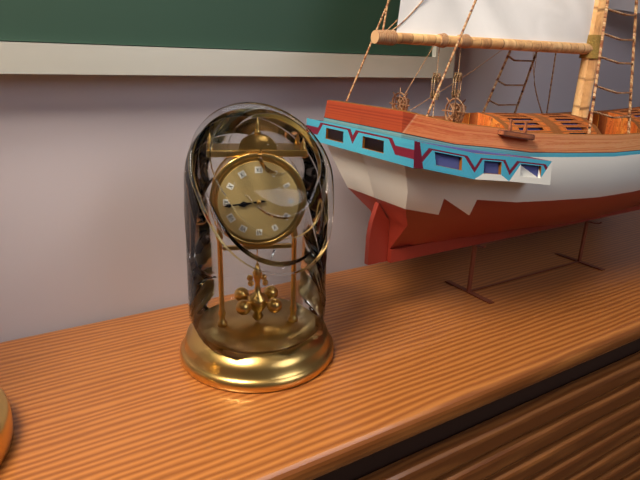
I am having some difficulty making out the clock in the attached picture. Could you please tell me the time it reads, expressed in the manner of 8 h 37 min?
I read 8 h 44 min
